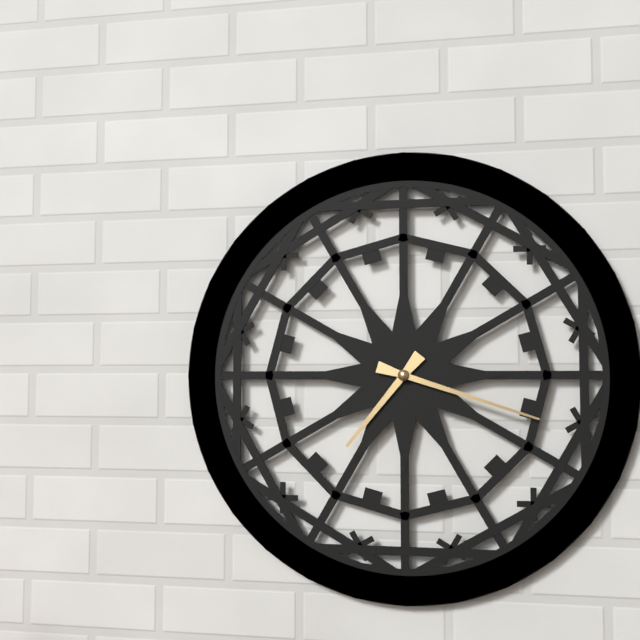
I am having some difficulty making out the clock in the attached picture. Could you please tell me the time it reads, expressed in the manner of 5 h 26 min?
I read 7 h 18 min
